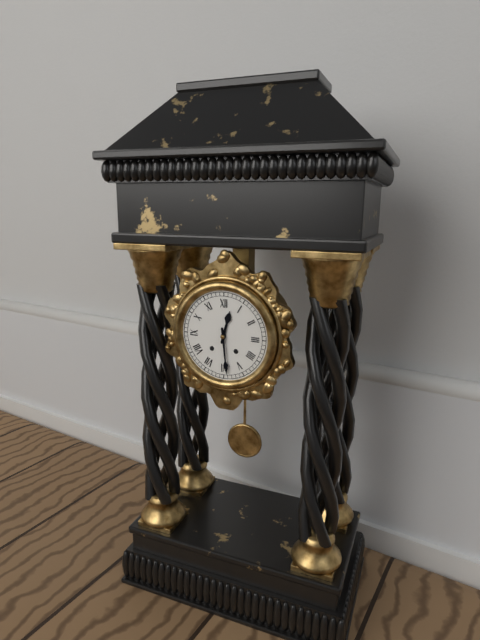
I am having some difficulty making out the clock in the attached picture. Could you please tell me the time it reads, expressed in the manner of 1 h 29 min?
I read 12 h 29 min
